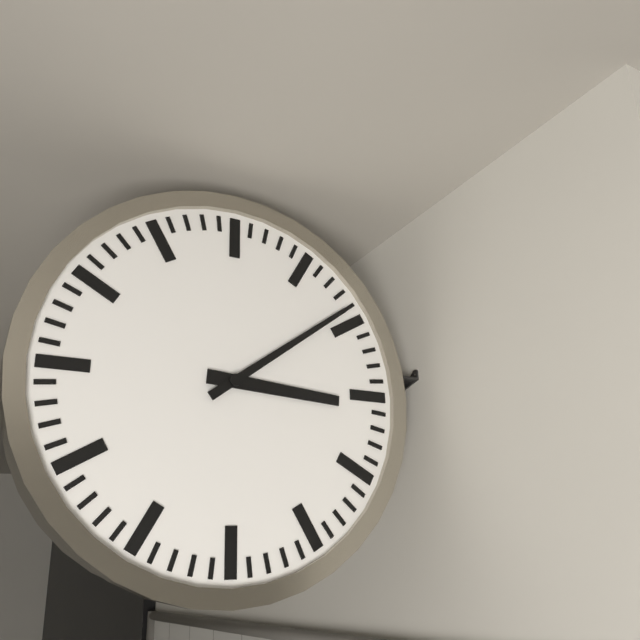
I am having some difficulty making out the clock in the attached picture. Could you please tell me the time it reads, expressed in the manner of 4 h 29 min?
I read 3 h 09 min
